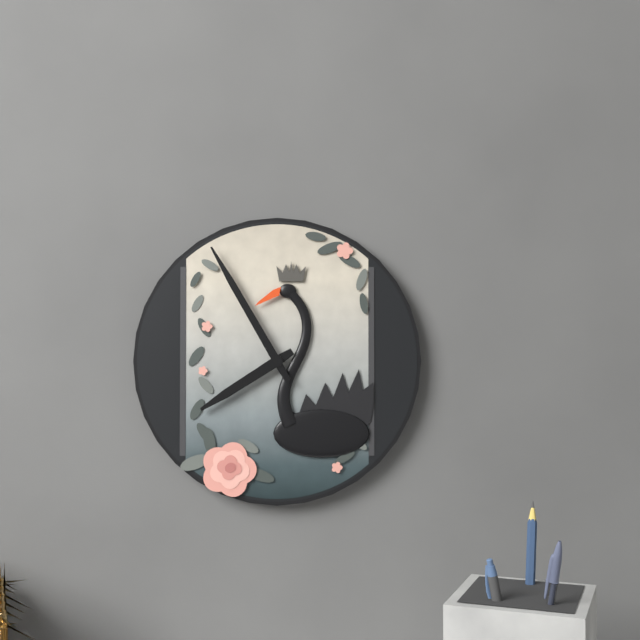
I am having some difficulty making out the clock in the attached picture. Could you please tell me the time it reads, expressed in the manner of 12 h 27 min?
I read 7 h 55 min
